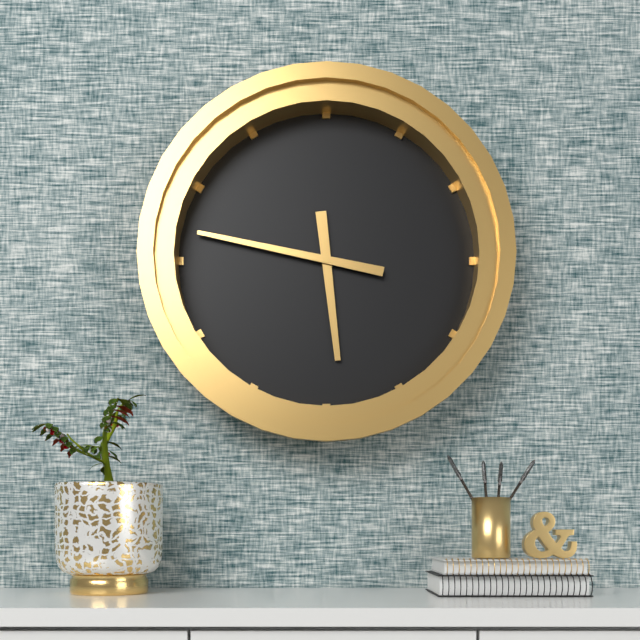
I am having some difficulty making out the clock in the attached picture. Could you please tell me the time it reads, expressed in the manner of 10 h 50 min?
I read 5 h 47 min
